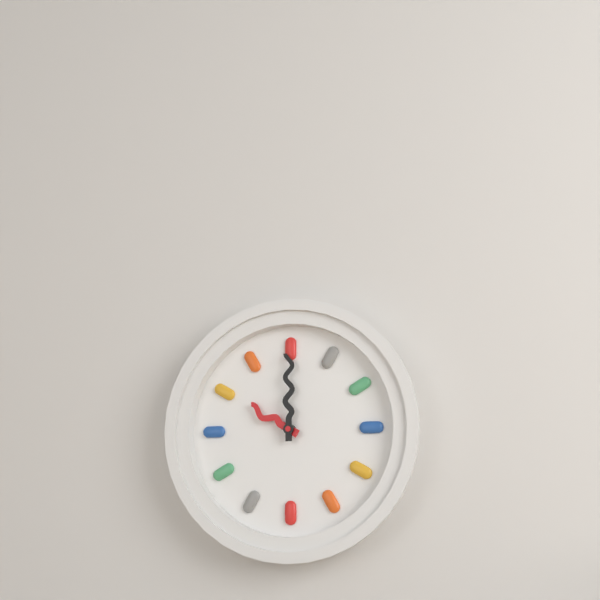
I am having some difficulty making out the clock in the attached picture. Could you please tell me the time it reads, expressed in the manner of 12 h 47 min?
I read 10 h 00 min
